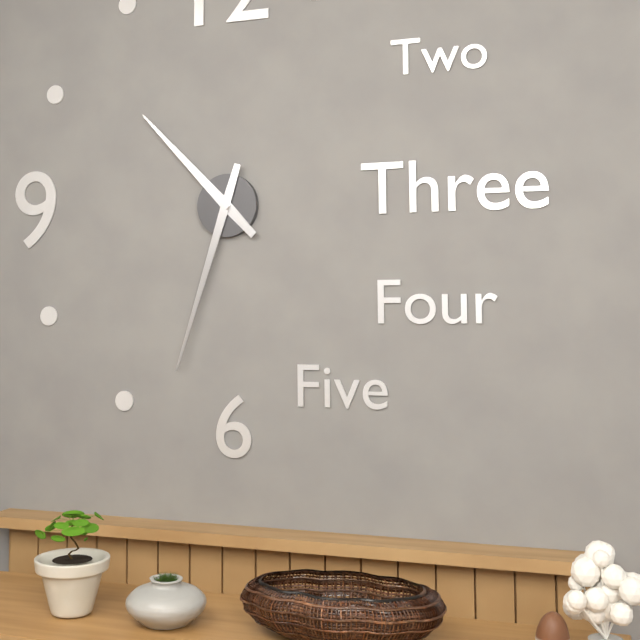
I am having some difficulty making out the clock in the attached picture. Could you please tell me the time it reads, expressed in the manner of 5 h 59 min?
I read 10 h 33 min
